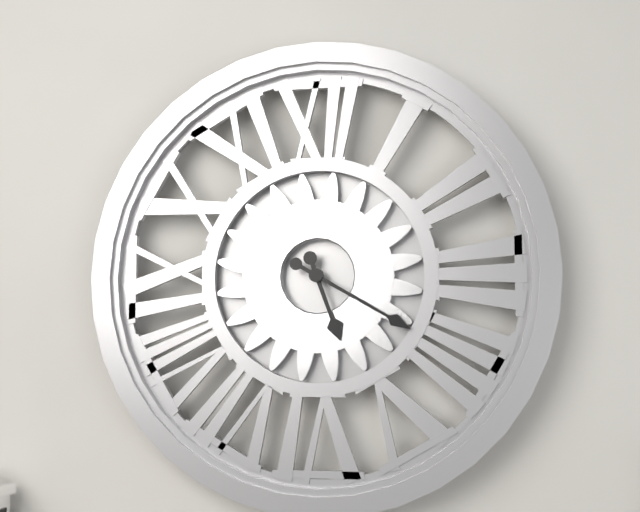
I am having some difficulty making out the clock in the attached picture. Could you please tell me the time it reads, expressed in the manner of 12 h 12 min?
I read 5 h 20 min
